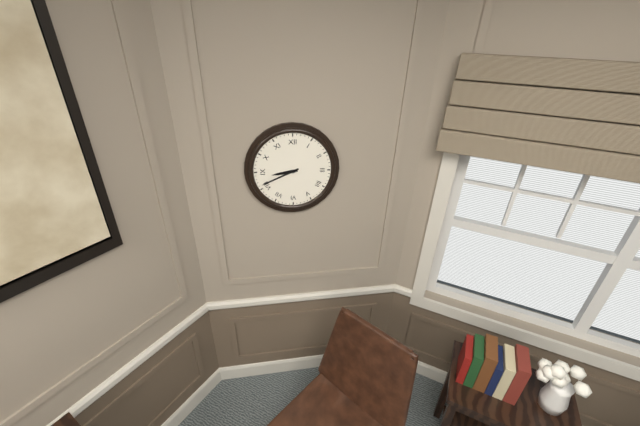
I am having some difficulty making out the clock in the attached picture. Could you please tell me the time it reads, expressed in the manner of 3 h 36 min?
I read 8 h 41 min
